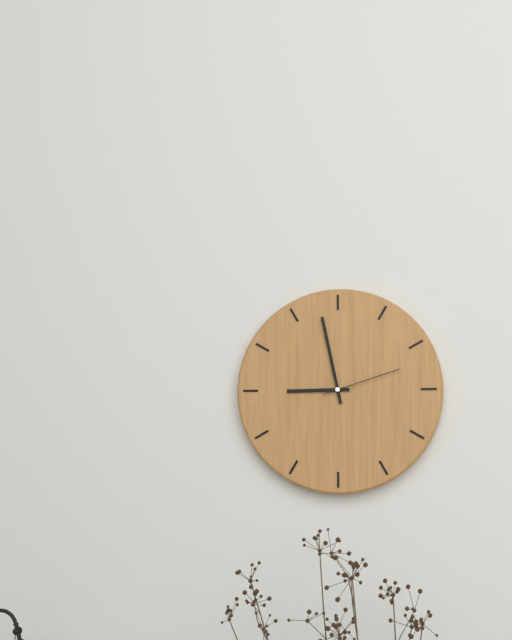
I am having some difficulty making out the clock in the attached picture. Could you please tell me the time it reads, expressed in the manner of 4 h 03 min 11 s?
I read 8 h 58 min 12 s
